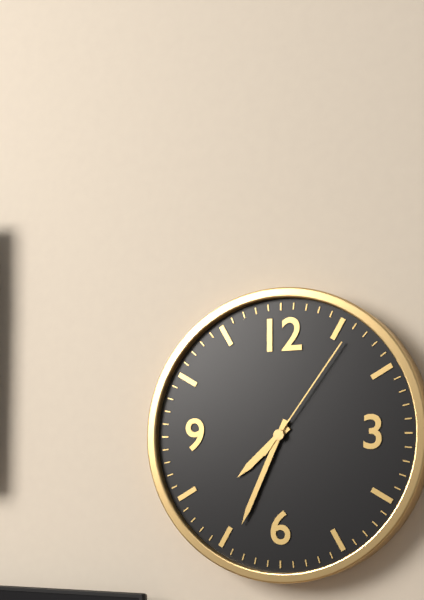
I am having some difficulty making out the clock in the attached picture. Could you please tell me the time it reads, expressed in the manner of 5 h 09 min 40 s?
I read 7 h 34 min 06 s
